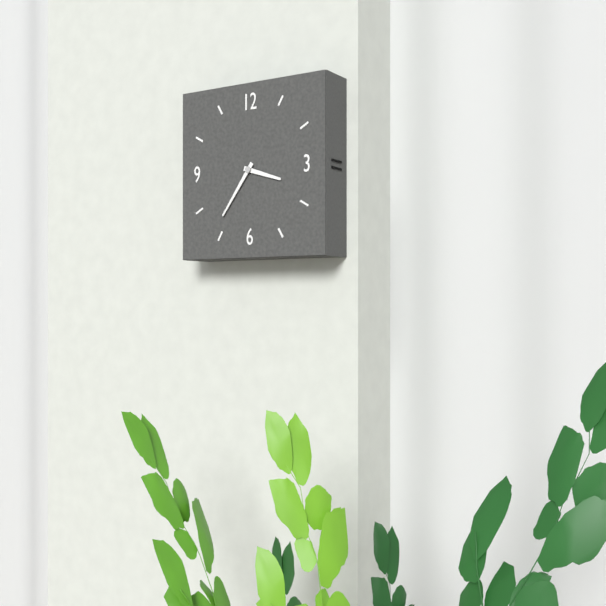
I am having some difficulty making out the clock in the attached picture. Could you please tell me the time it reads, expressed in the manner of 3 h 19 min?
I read 3 h 36 min
